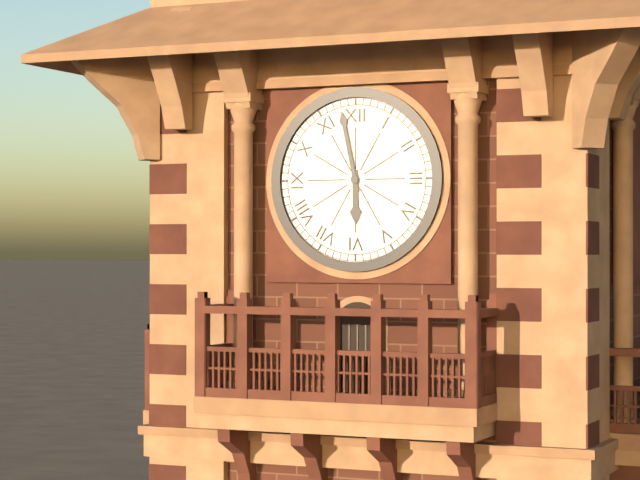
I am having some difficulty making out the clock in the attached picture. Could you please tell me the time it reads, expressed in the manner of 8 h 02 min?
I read 5 h 58 min
